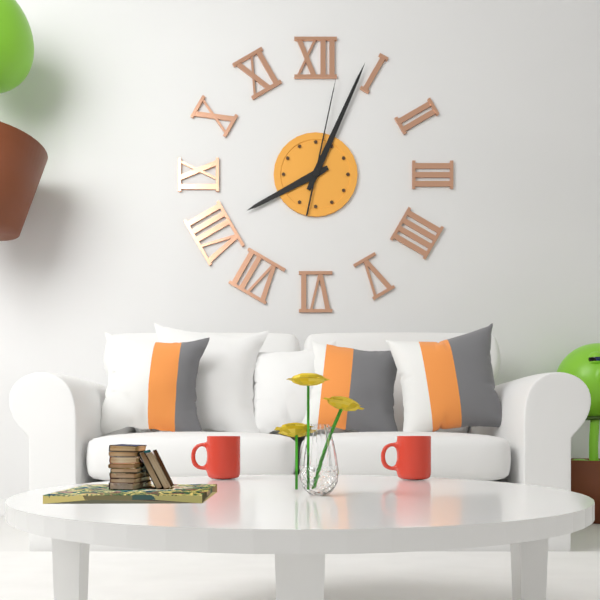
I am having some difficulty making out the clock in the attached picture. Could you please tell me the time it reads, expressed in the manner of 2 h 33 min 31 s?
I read 8 h 04 min 02 s
